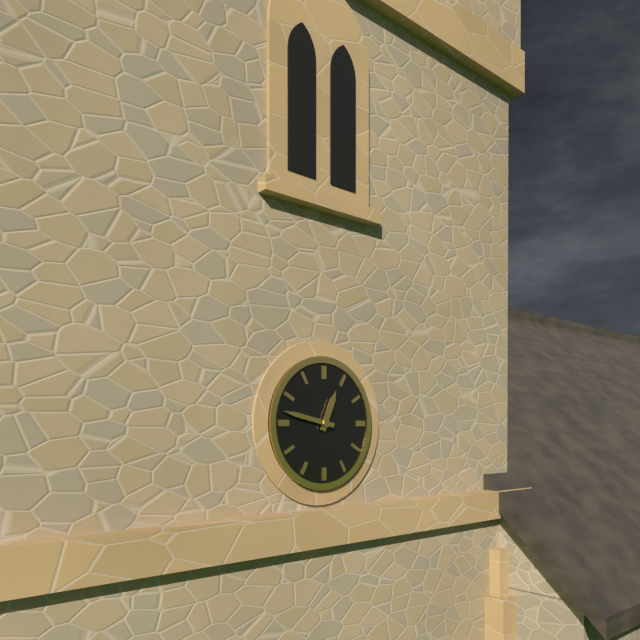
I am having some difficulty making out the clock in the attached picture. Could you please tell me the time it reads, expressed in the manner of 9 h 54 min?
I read 12 h 47 min
